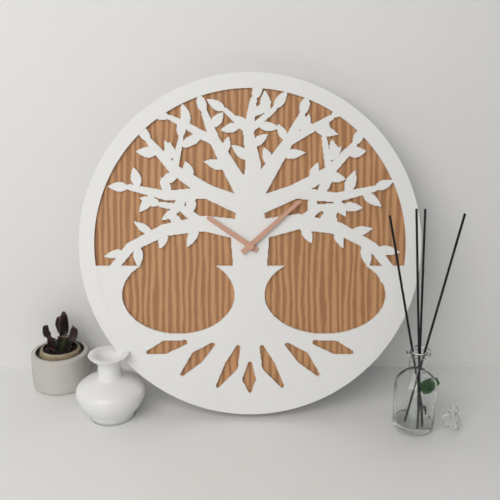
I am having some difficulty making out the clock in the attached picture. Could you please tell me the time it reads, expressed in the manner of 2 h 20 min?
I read 10 h 08 min
